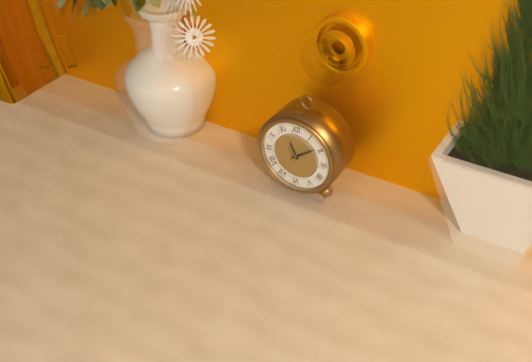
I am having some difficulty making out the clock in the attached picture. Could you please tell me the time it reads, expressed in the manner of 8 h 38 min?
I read 11 h 09 min
